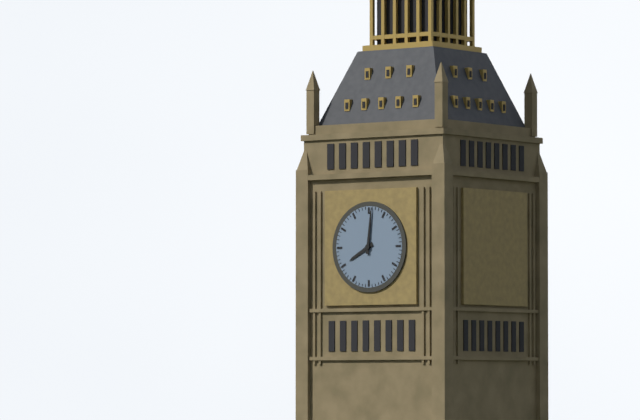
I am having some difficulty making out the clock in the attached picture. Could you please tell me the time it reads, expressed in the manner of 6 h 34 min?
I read 8 h 01 min
